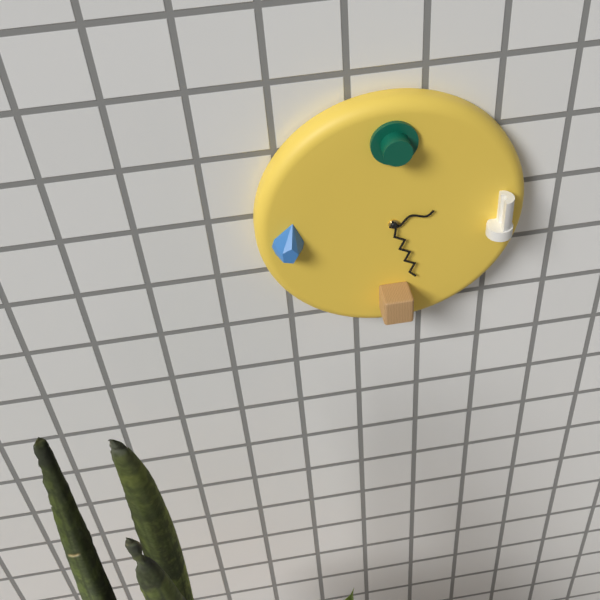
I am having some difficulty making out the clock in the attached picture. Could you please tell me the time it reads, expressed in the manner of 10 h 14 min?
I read 2 h 27 min
